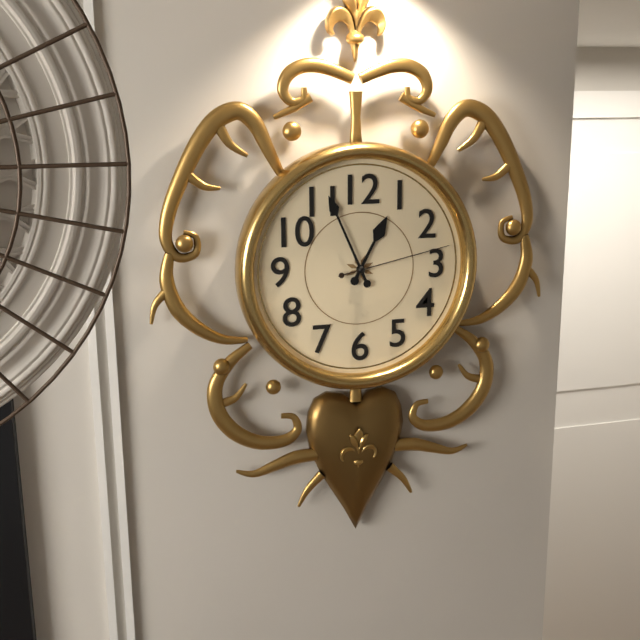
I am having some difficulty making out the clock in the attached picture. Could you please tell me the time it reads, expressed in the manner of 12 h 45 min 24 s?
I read 12 h 56 min 13 s
